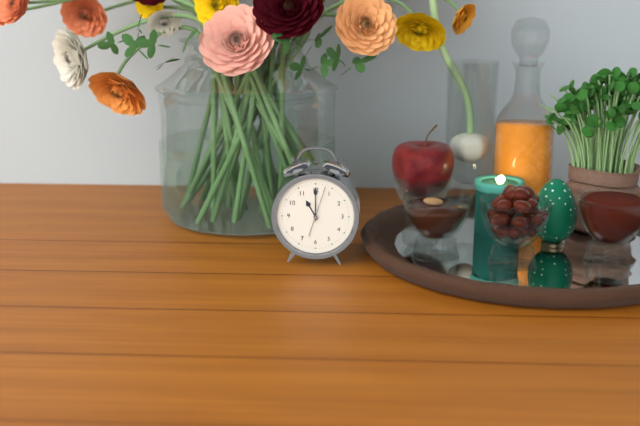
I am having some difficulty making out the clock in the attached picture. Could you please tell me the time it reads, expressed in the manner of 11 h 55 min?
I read 11 h 00 min
